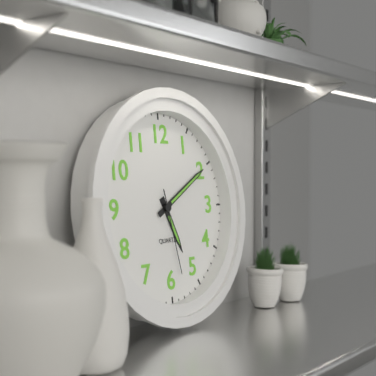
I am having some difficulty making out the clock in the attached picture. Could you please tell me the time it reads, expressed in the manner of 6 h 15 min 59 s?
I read 5 h 10 min 28 s
